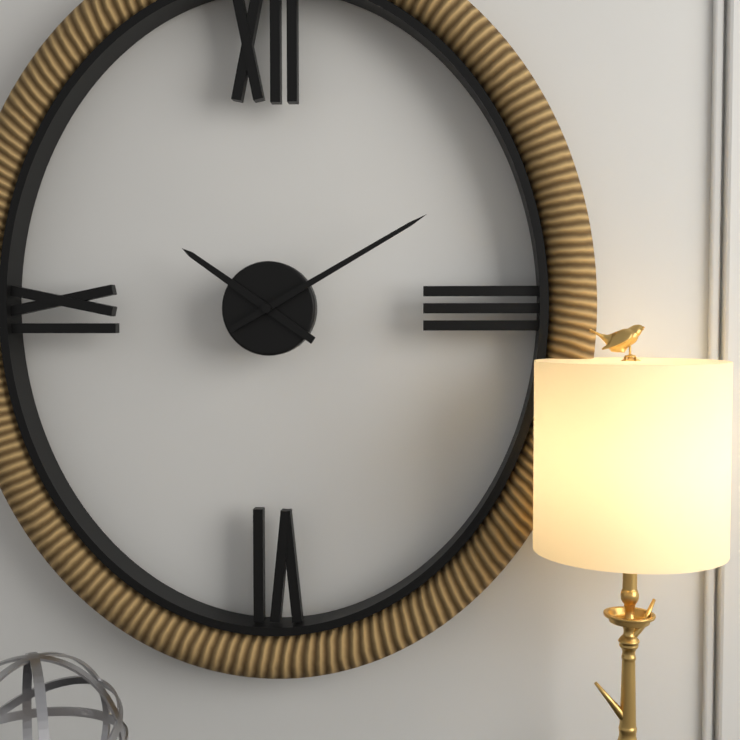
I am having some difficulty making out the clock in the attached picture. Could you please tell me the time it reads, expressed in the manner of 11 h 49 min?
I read 10 h 10 min
